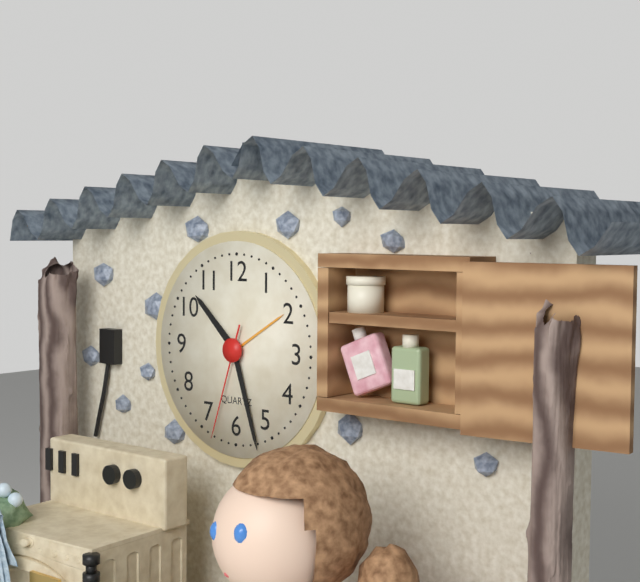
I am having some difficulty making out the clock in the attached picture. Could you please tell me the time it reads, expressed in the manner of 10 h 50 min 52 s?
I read 10 h 27 min 33 s
